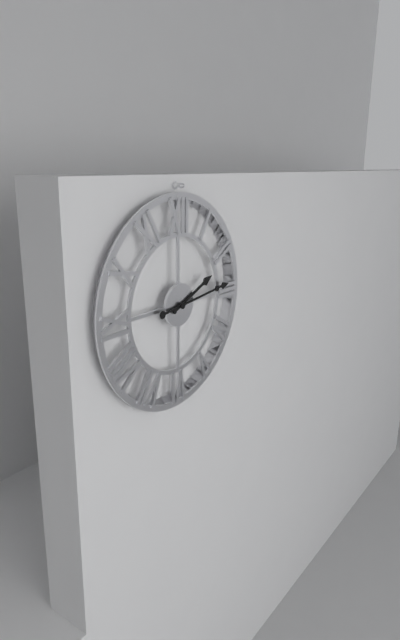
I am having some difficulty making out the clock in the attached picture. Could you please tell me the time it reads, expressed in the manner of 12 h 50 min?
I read 2 h 14 min
